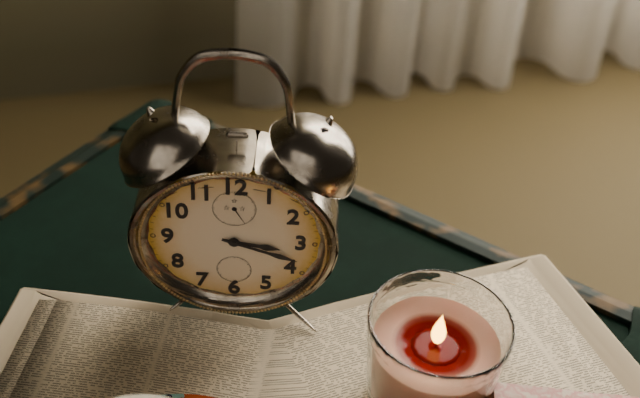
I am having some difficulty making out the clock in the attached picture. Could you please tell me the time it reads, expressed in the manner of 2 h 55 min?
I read 3 h 18 min
